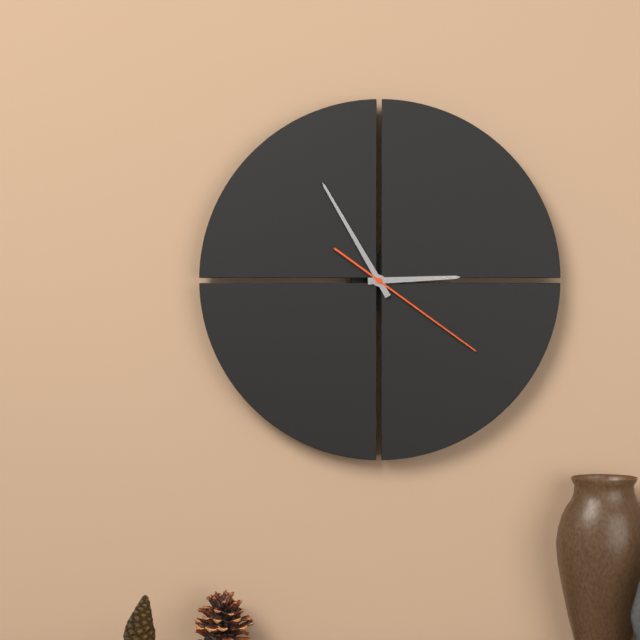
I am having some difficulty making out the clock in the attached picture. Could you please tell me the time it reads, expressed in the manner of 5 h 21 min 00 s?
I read 2 h 55 min 21 s
